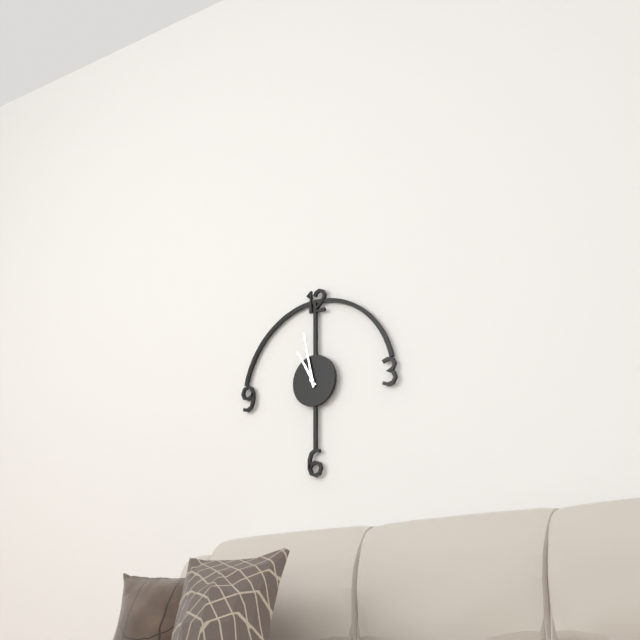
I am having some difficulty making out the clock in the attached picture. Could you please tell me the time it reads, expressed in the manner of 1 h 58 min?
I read 10 h 58 min
